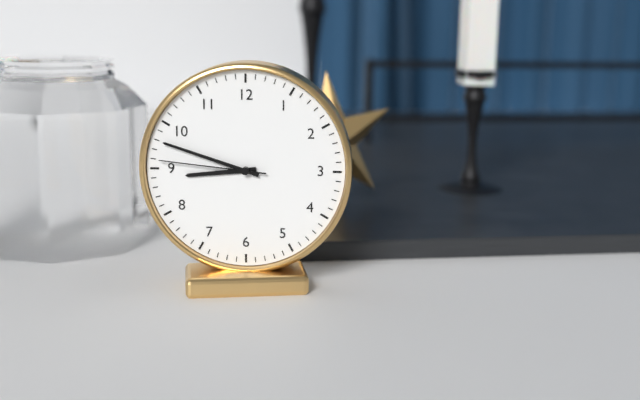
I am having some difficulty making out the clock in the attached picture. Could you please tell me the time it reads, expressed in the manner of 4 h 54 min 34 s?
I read 8 h 48 min 46 s
